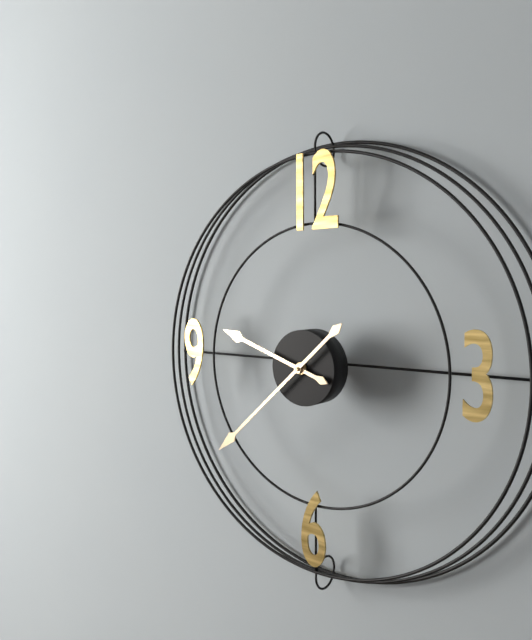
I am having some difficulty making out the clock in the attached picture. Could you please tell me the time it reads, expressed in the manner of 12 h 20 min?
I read 9 h 38 min
